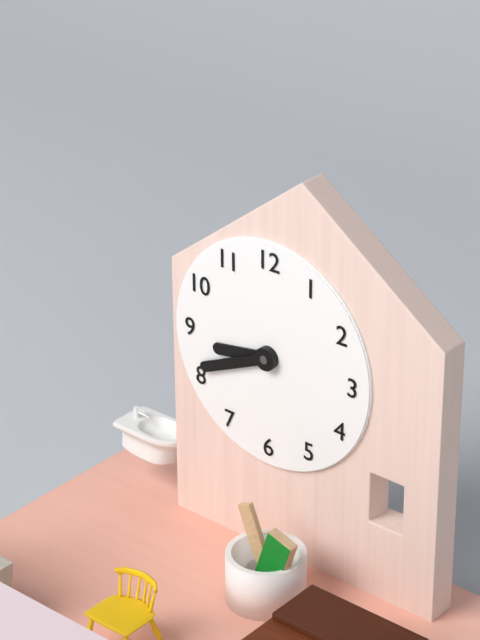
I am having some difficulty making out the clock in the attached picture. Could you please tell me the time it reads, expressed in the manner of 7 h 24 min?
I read 8 h 41 min
